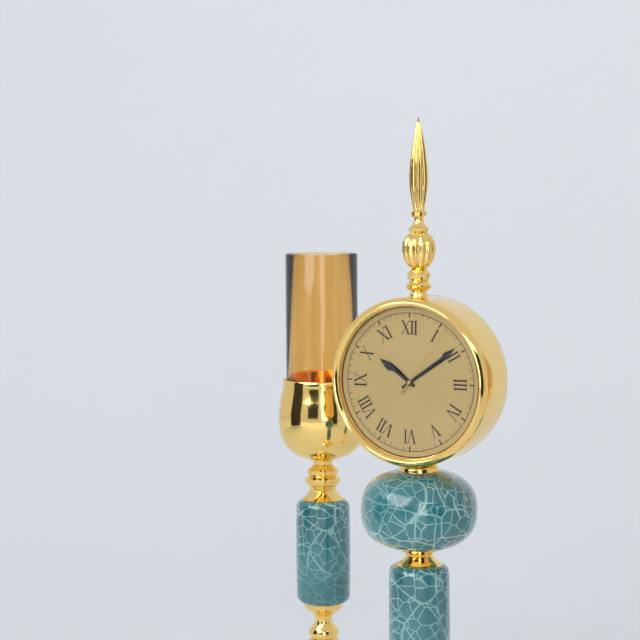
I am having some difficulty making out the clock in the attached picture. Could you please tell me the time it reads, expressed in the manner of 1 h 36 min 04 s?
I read 10 h 09 min 06 s
